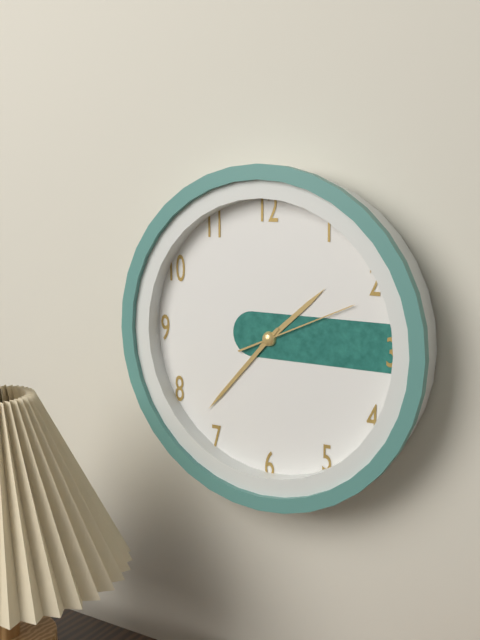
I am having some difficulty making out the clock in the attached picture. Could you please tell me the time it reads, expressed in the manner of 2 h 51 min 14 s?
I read 1 h 37 min 11 s
